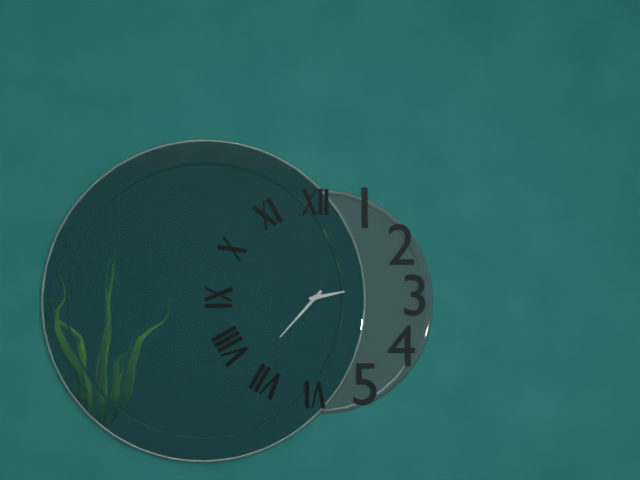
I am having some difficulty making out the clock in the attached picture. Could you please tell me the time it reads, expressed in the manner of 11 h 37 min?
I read 2 h 37 min
